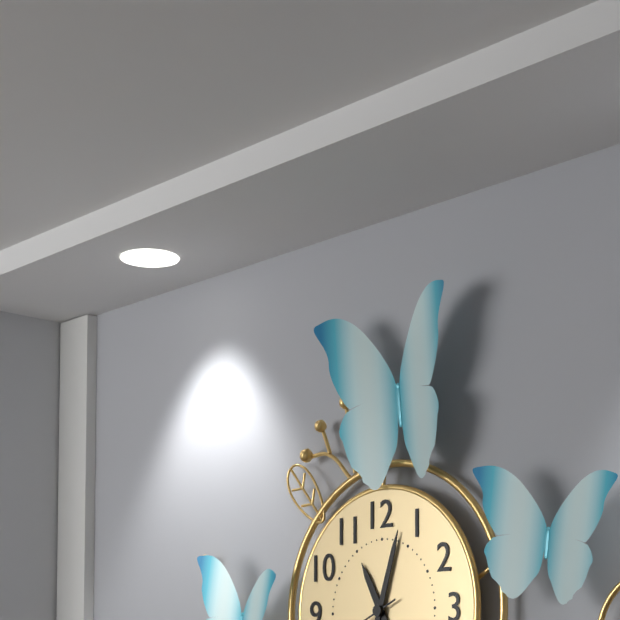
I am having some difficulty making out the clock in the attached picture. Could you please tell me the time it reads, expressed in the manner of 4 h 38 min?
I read 11 h 03 min
